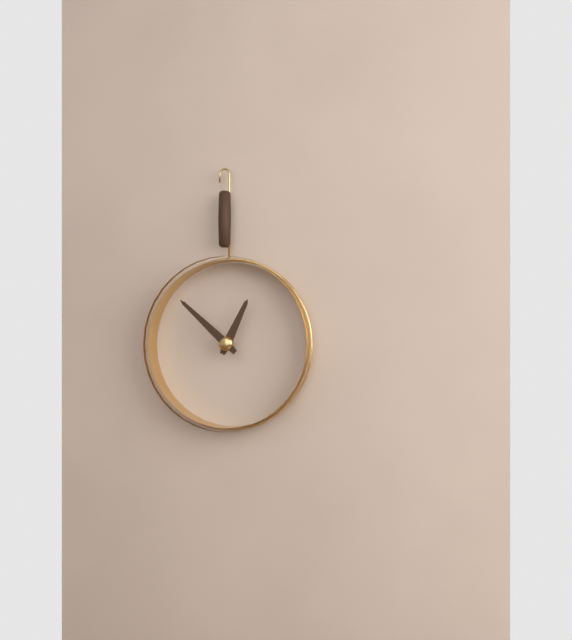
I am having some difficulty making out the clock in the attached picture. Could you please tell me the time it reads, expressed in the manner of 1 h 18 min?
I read 12 h 52 min
